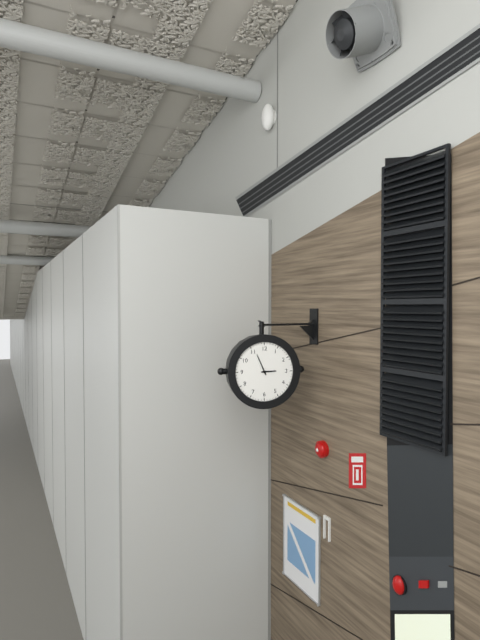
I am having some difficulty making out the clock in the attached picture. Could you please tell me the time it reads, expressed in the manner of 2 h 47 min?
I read 2 h 56 min
